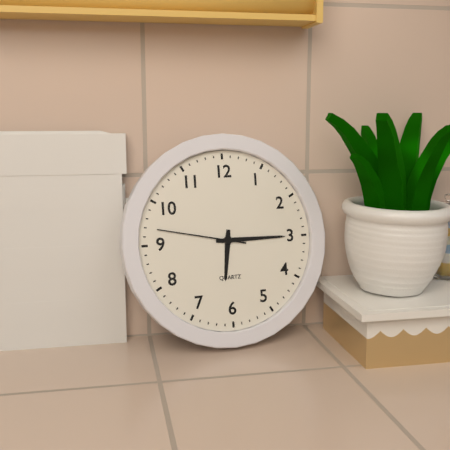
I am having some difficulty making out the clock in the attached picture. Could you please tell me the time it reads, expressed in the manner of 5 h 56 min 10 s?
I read 6 h 15 min 47 s
